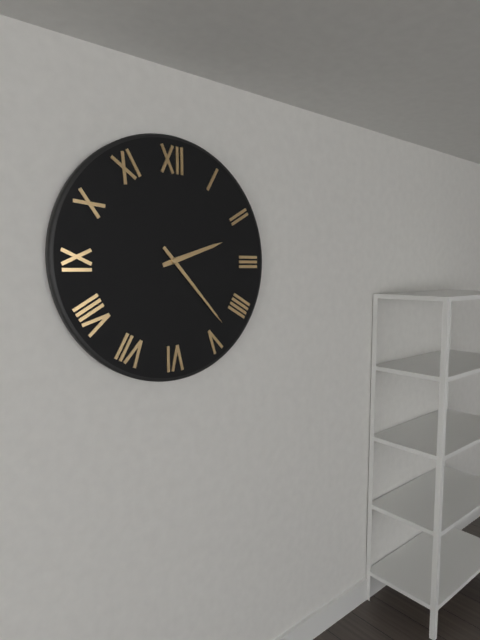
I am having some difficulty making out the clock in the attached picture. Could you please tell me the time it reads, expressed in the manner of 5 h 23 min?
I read 2 h 23 min
